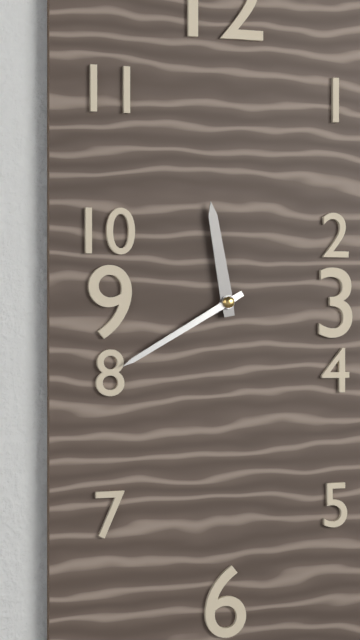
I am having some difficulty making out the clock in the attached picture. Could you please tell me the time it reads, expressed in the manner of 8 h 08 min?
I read 11 h 40 min
